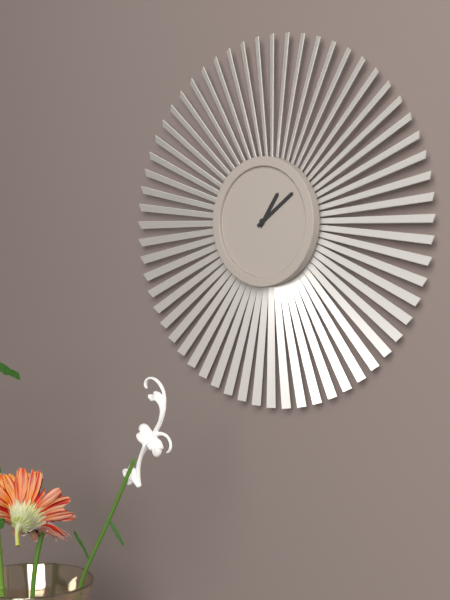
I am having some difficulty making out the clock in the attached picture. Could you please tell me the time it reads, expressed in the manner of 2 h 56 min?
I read 1 h 09 min
